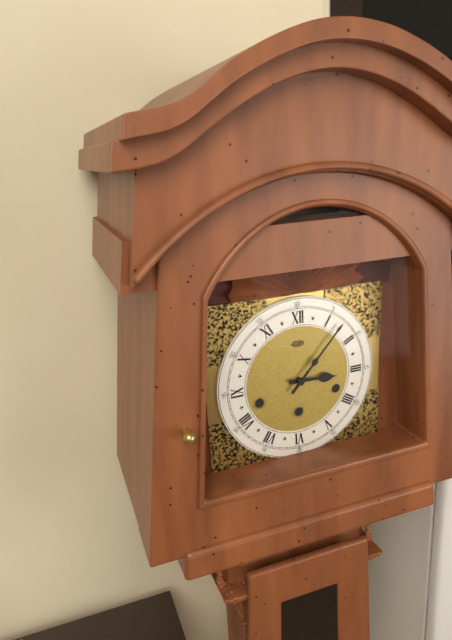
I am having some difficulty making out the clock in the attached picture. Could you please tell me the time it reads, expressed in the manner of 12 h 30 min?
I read 3 h 07 min
